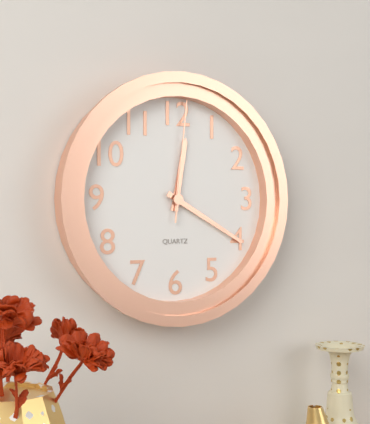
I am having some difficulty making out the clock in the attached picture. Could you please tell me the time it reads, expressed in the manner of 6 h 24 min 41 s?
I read 12 h 20 min 01 s
